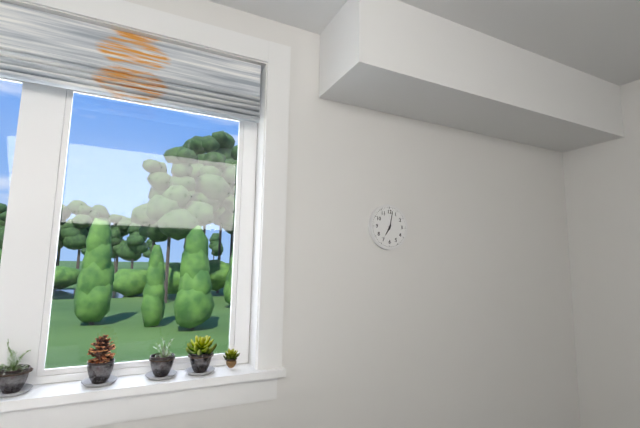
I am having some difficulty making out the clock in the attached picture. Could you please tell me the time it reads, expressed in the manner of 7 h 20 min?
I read 7 h 02 min
